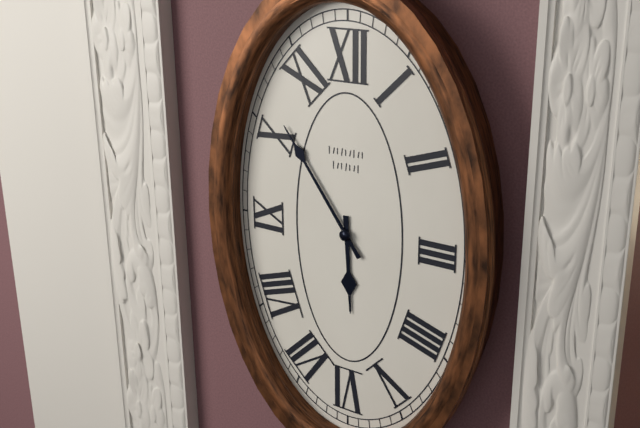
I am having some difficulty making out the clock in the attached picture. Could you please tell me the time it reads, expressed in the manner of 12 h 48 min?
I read 5 h 54 min
